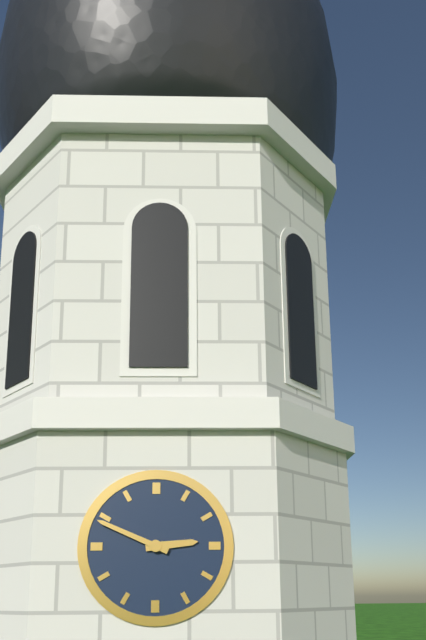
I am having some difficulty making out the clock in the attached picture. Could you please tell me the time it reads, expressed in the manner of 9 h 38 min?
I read 2 h 49 min
